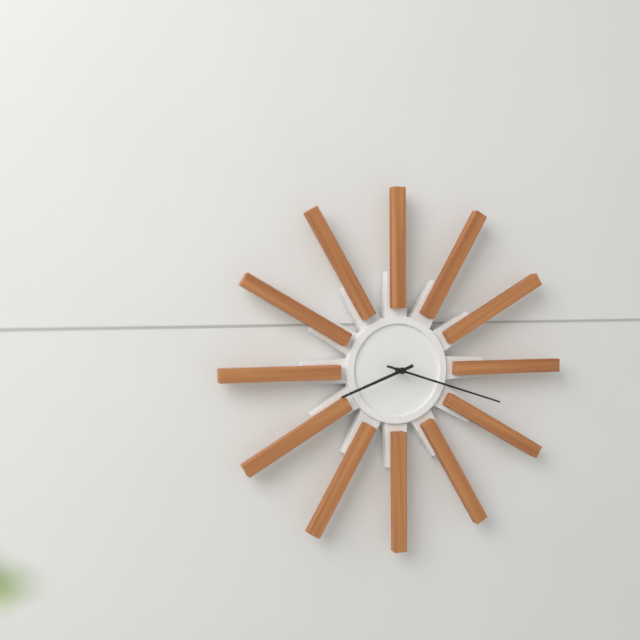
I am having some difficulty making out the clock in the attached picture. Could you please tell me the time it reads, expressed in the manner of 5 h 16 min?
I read 8 h 18 min
